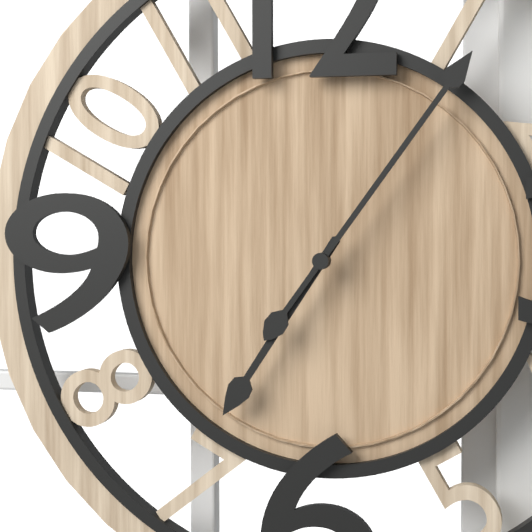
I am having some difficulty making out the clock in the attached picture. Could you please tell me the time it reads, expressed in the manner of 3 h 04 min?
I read 7 h 06 min
